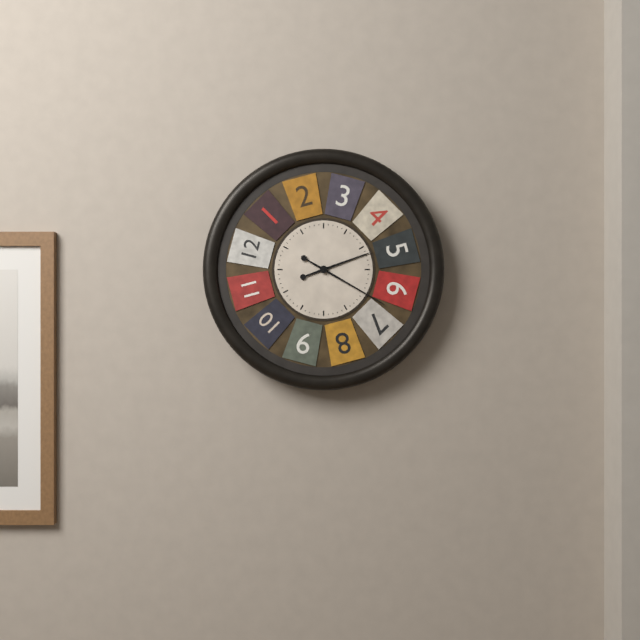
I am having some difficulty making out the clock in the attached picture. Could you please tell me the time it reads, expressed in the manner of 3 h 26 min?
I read 2 h 20 min
